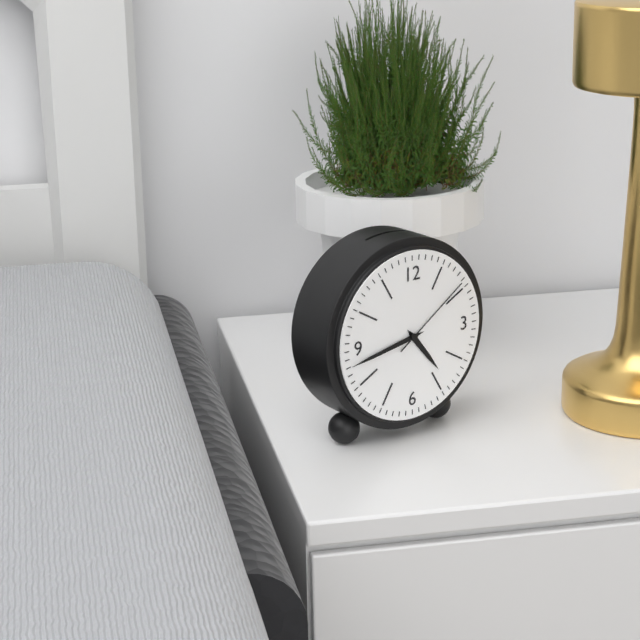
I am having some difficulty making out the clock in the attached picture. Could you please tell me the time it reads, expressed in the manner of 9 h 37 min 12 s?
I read 4 h 43 min 09 s
